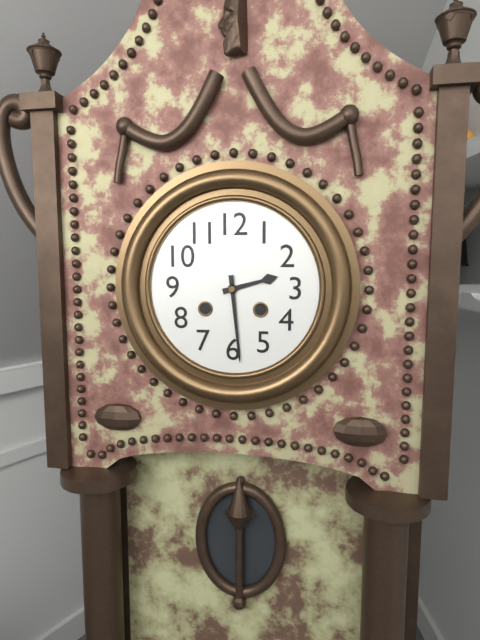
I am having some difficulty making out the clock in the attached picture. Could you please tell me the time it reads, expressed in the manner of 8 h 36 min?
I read 2 h 29 min
